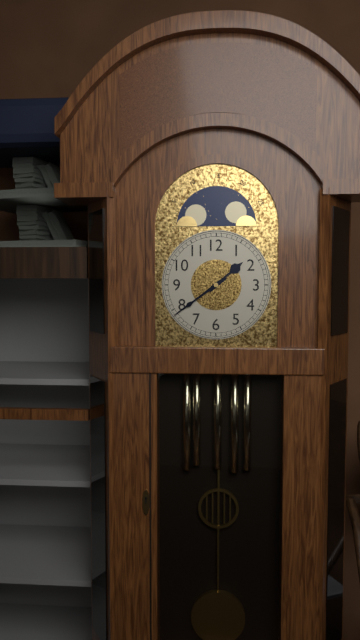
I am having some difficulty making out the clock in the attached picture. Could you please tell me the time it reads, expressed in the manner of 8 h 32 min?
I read 1 h 39 min
